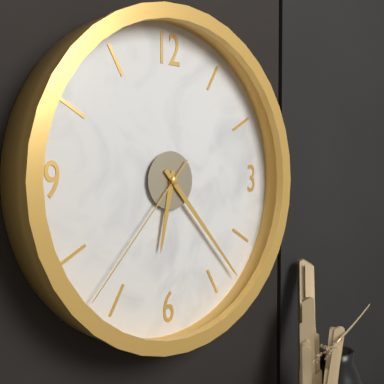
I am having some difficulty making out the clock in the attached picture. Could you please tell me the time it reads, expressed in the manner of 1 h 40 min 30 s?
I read 6 h 23 min 37 s
